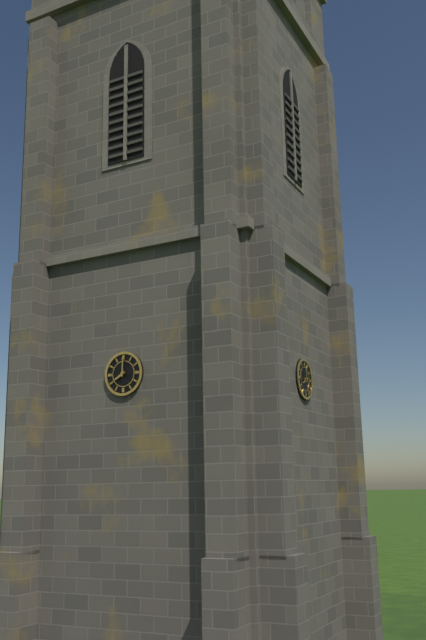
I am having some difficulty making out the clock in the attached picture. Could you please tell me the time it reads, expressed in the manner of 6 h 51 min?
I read 8 h 00 min
